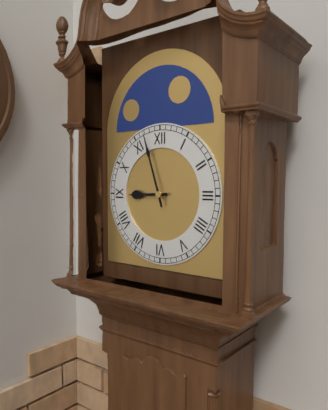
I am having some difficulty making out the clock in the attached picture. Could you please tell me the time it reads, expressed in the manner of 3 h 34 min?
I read 8 h 57 min
